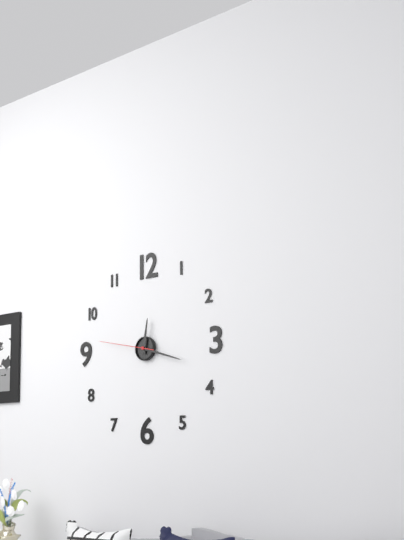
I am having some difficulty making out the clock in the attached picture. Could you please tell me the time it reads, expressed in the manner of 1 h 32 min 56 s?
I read 12 h 18 min 47 s
